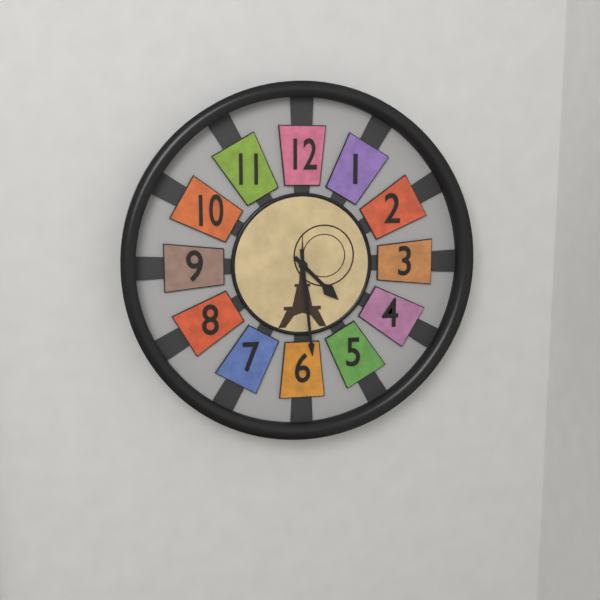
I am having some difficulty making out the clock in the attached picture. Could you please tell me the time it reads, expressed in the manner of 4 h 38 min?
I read 4 h 29 min
